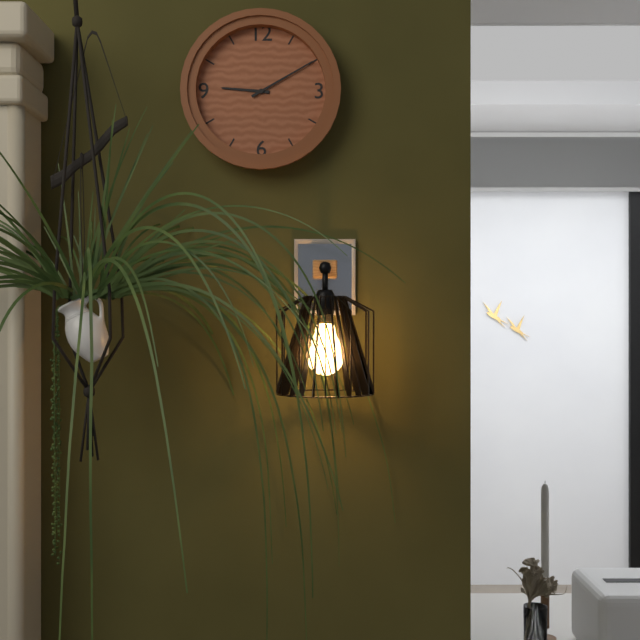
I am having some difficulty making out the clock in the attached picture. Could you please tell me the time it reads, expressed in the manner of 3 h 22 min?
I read 9 h 10 min
